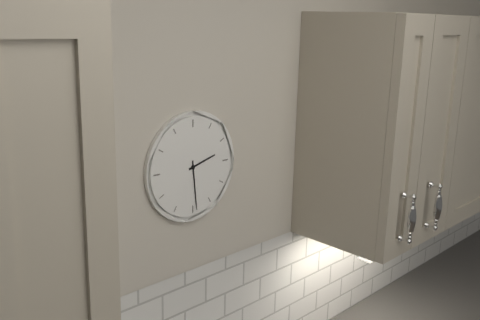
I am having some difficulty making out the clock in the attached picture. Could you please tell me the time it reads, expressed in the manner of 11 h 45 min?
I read 2 h 29 min
